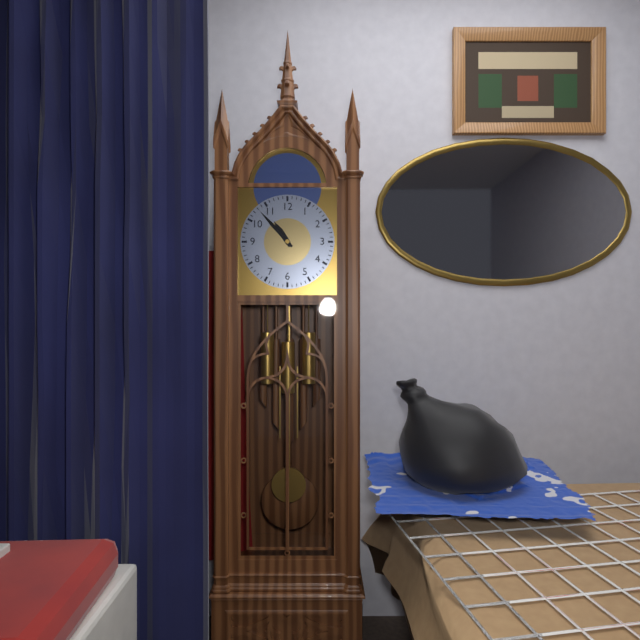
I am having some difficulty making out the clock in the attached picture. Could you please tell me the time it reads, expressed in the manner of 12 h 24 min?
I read 10 h 53 min
